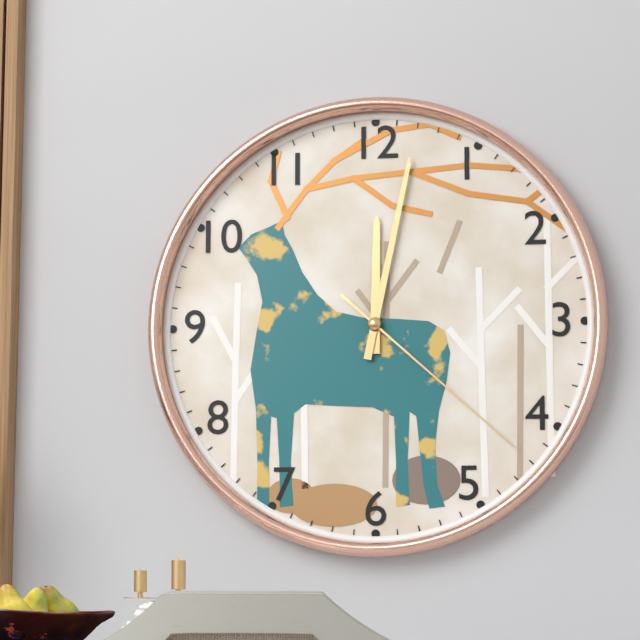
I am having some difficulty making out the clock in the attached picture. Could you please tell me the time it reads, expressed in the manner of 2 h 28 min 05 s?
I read 12 h 02 min 22 s
